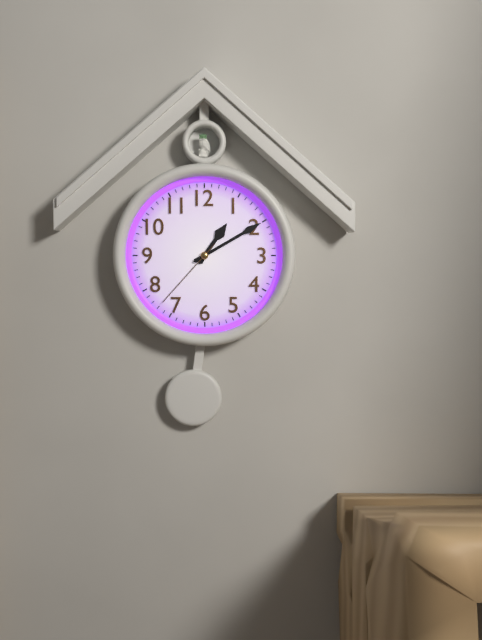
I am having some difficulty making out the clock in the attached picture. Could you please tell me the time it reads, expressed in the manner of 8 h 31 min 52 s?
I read 1 h 10 min 37 s
